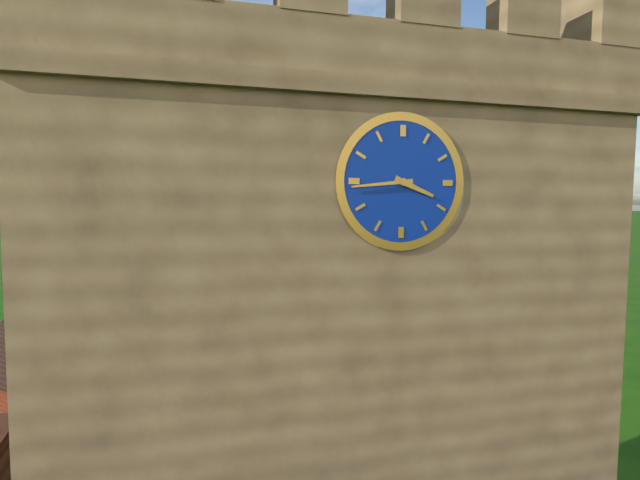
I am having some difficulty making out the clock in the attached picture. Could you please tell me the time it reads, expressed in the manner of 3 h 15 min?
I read 3 h 44 min
